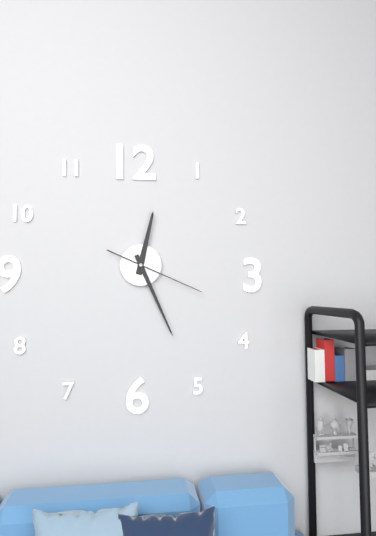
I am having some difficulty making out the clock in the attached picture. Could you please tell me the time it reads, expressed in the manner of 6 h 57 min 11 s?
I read 12 h 26 min 19 s
